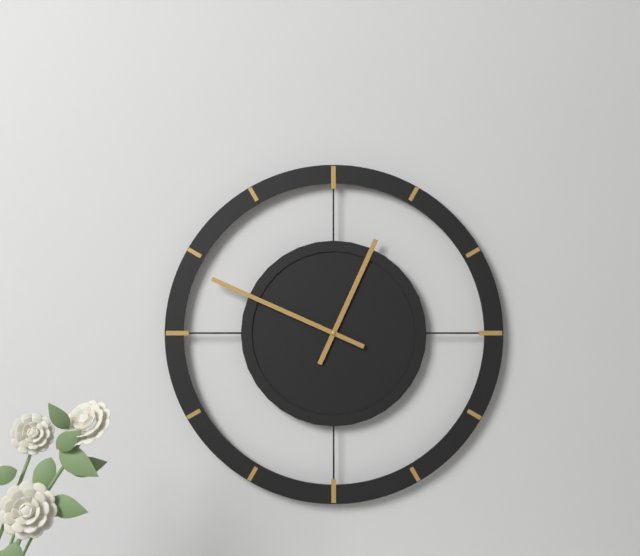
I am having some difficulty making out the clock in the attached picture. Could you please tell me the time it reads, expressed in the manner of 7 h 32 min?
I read 12 h 49 min
